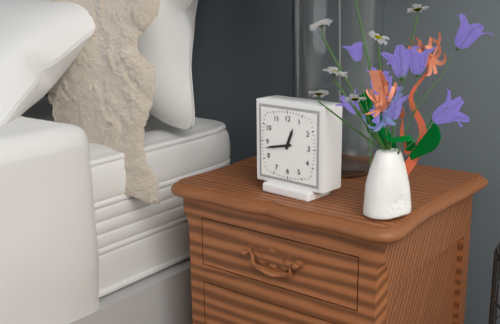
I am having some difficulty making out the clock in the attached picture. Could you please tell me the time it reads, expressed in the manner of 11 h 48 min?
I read 12 h 43 min
